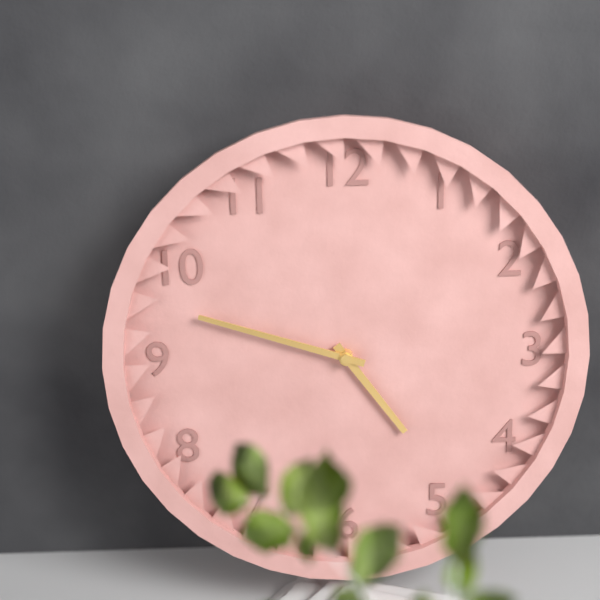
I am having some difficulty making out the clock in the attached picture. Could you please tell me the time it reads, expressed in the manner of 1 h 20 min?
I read 4 h 48 min
